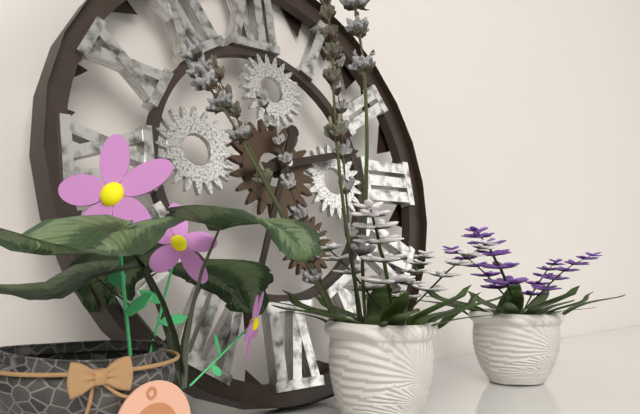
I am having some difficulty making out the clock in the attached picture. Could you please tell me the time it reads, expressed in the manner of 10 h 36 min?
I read 2 h 34 min
